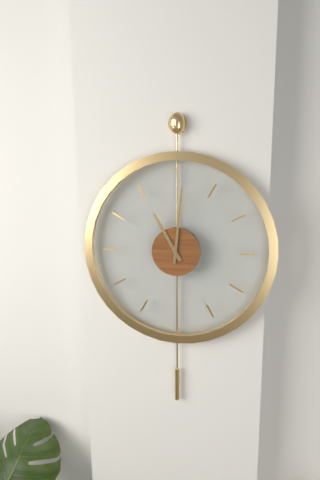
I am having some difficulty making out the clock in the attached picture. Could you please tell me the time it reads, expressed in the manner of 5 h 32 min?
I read 11 h 01 min
